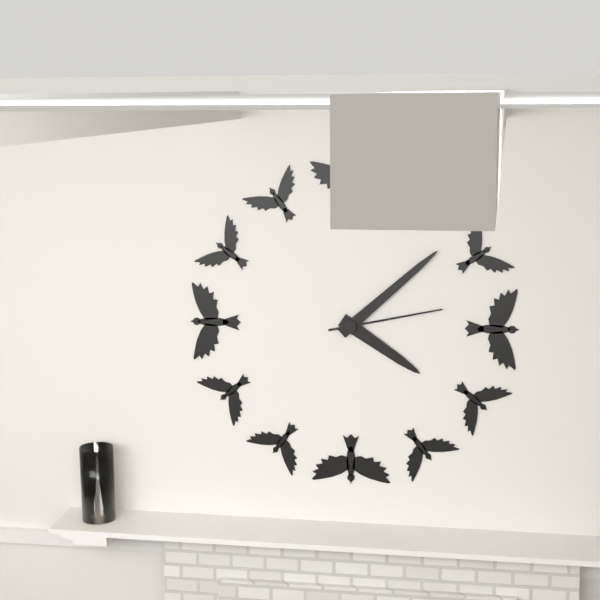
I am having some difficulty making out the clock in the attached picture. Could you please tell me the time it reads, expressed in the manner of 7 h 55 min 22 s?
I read 4 h 08 min 13 s
